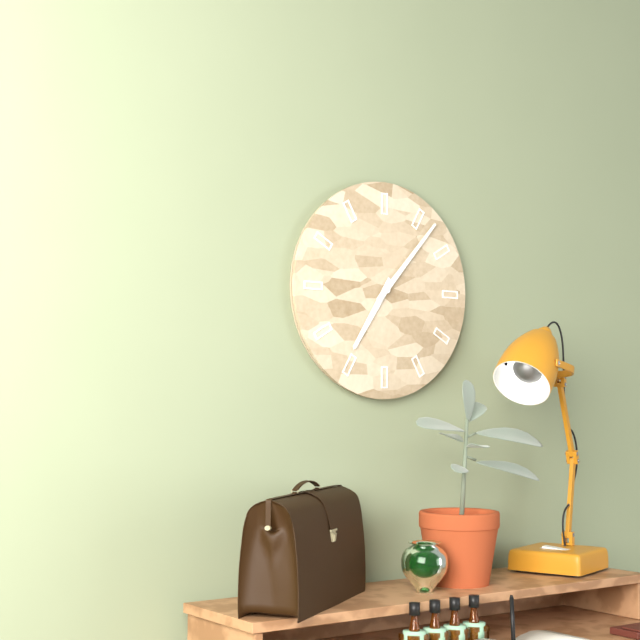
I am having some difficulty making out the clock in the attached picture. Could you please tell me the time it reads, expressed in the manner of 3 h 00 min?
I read 7 h 07 min
